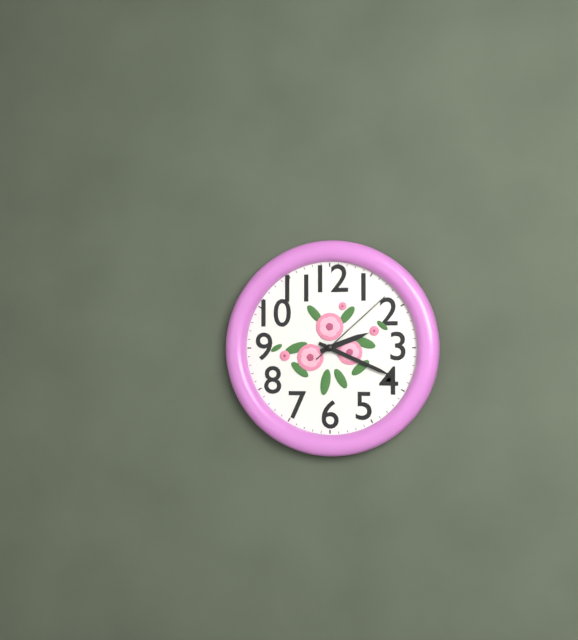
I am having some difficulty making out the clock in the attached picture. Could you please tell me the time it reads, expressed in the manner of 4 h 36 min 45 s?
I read 2 h 19 min 08 s
